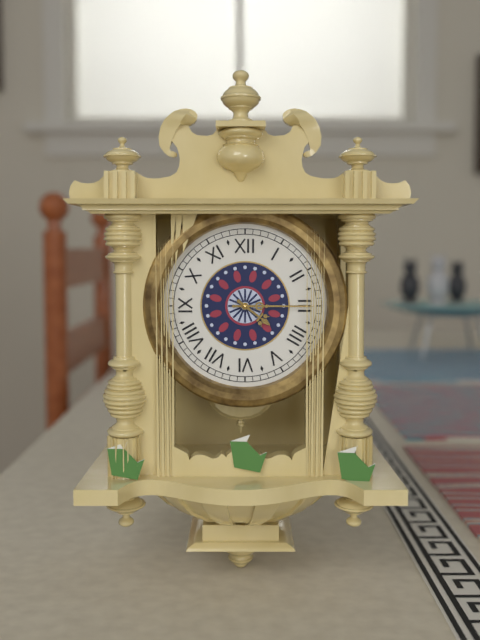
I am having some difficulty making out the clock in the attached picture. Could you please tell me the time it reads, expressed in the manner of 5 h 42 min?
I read 4 h 15 min
